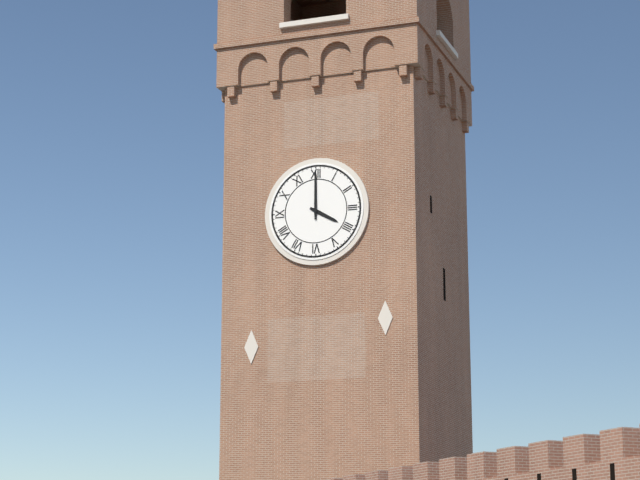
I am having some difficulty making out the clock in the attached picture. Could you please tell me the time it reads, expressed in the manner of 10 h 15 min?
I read 4 h 00 min
